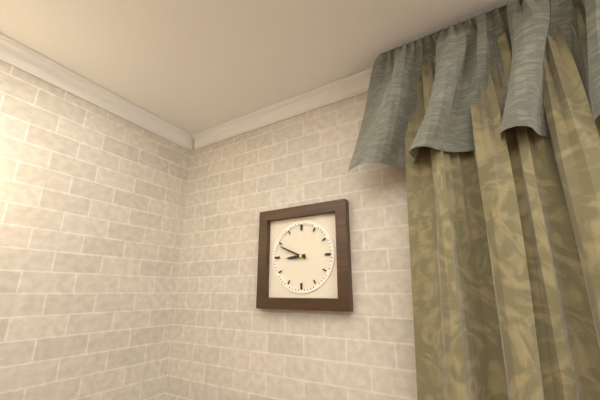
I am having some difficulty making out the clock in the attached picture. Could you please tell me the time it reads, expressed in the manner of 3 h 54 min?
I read 8 h 49 min
